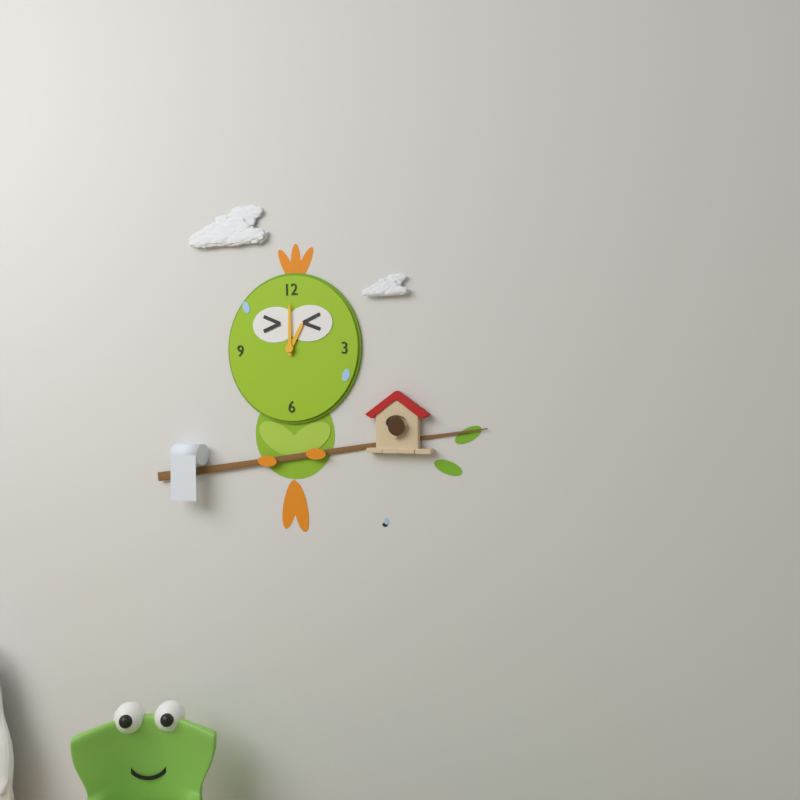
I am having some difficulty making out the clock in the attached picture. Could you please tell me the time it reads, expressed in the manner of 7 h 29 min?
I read 1 h 00 min
